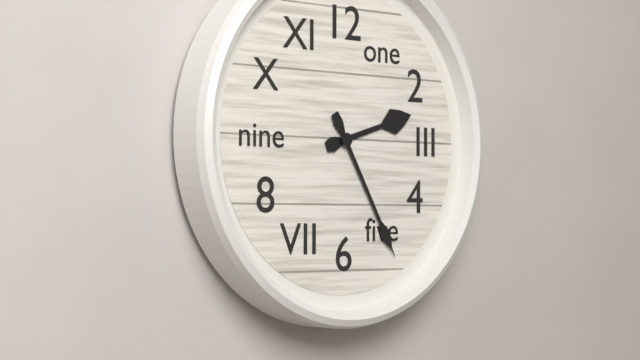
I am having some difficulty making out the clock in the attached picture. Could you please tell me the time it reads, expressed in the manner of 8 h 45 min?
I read 2 h 25 min
